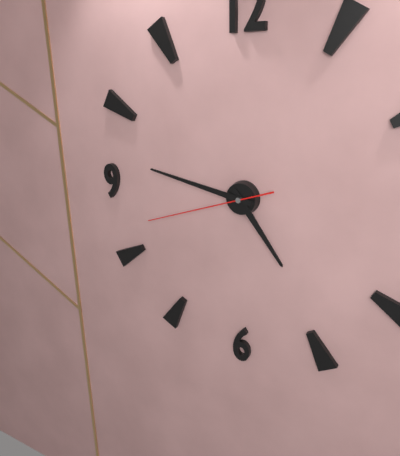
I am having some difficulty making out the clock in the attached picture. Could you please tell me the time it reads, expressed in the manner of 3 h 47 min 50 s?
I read 4 h 47 min 42 s
